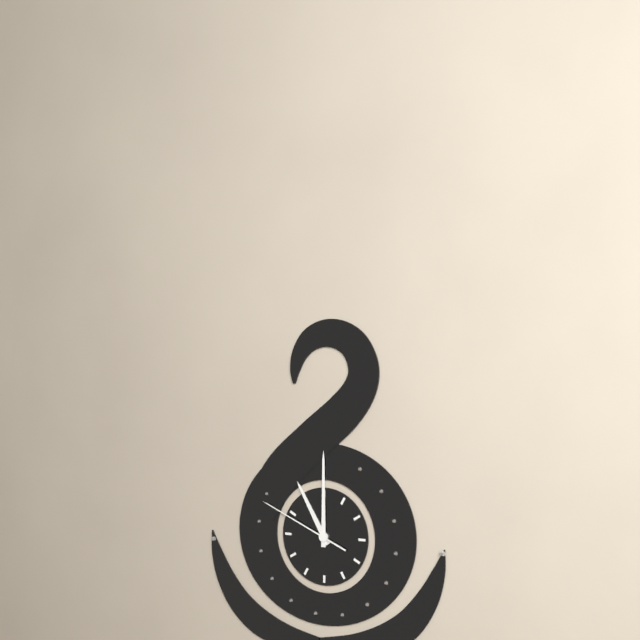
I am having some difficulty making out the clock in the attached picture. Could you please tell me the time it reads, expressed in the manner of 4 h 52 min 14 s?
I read 11 h 00 min 49 s
